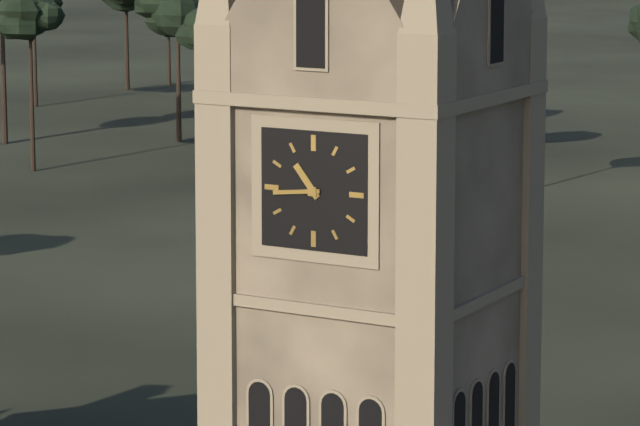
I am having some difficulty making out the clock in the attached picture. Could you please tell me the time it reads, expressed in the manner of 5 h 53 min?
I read 10 h 44 min
